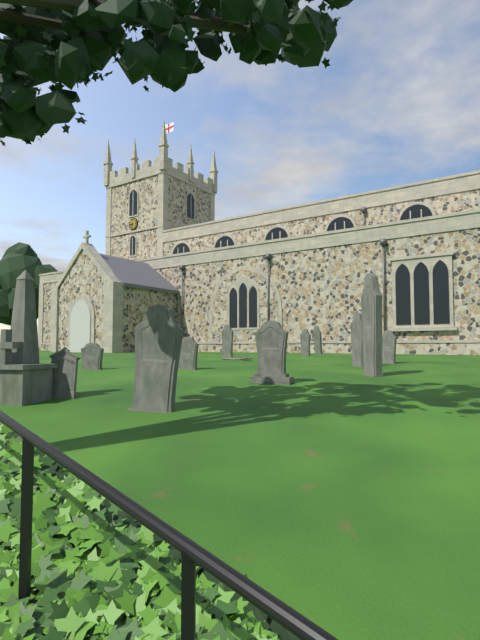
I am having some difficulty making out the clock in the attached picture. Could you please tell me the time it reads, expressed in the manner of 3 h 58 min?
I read 8 h 38 min
